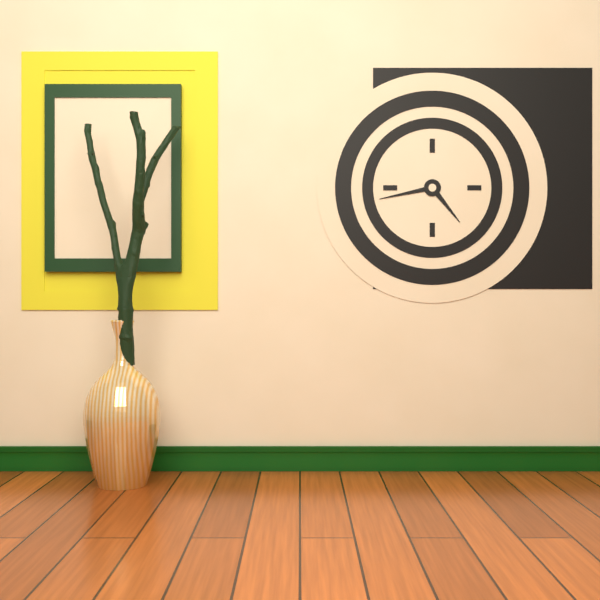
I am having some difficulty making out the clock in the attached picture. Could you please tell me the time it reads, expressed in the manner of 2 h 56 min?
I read 4 h 43 min
